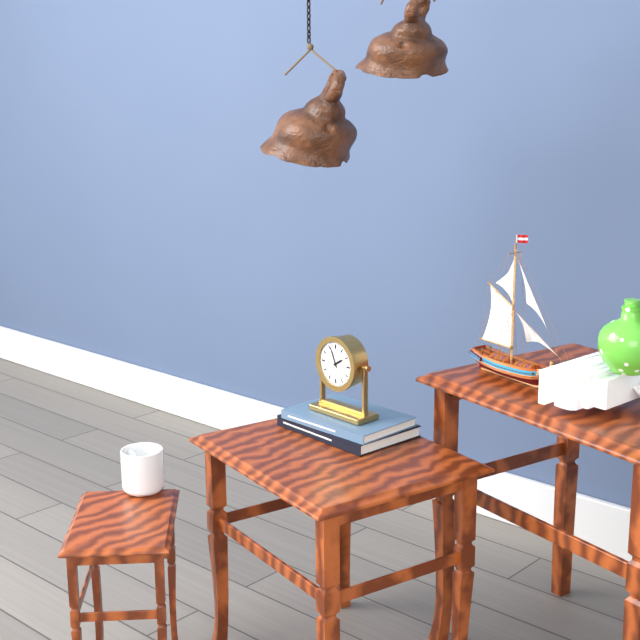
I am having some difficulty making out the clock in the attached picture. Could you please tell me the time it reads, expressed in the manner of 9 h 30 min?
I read 1 h 56 min
